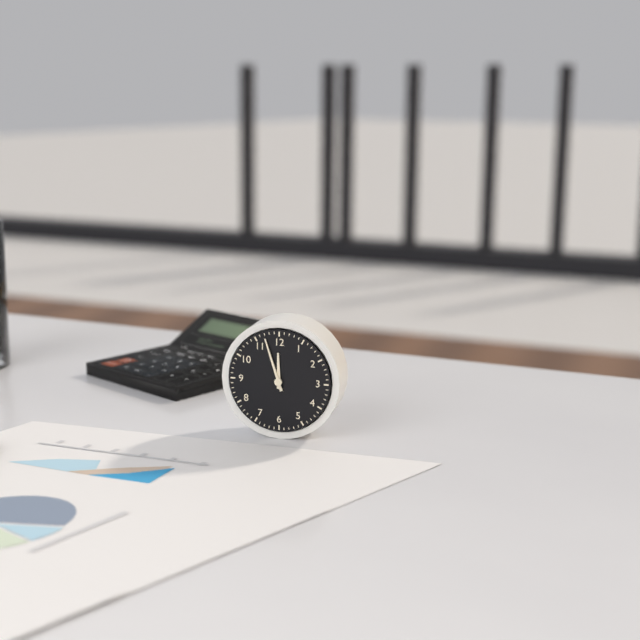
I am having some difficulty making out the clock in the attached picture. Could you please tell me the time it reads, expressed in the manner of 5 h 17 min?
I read 11 h 57 min
